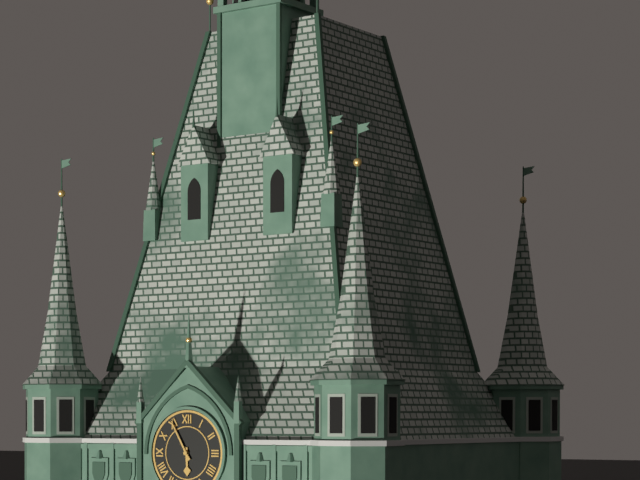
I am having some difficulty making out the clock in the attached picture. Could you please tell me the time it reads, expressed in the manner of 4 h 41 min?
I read 5 h 55 min
